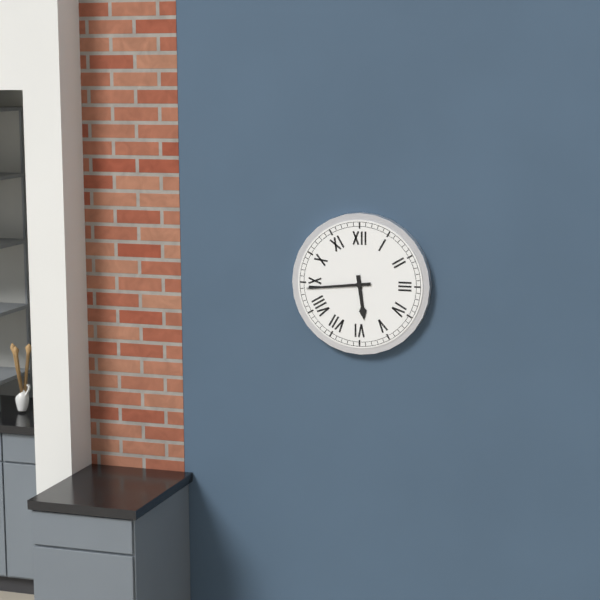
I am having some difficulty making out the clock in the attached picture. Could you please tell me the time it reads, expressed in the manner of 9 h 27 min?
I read 5 h 44 min
